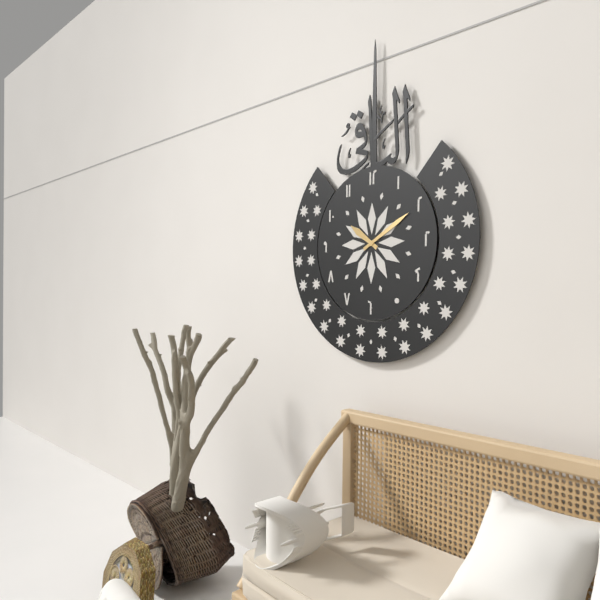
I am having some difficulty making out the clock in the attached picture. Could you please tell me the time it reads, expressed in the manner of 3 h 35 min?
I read 10 h 10 min
